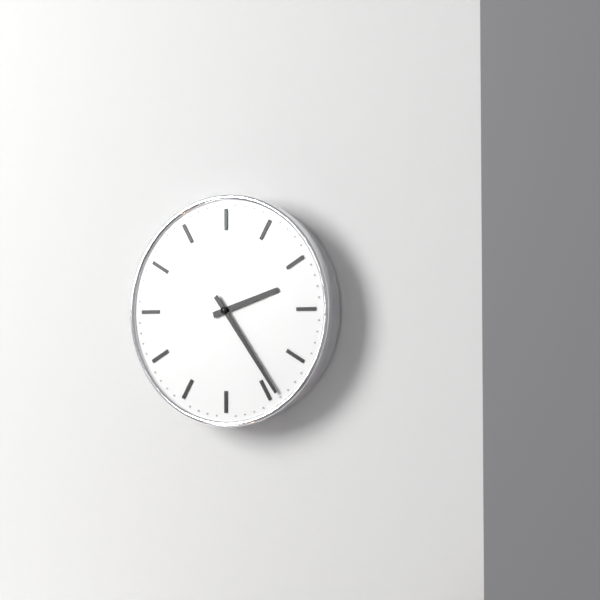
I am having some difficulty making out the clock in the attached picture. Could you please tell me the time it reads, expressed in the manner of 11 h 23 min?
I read 2 h 24 min
